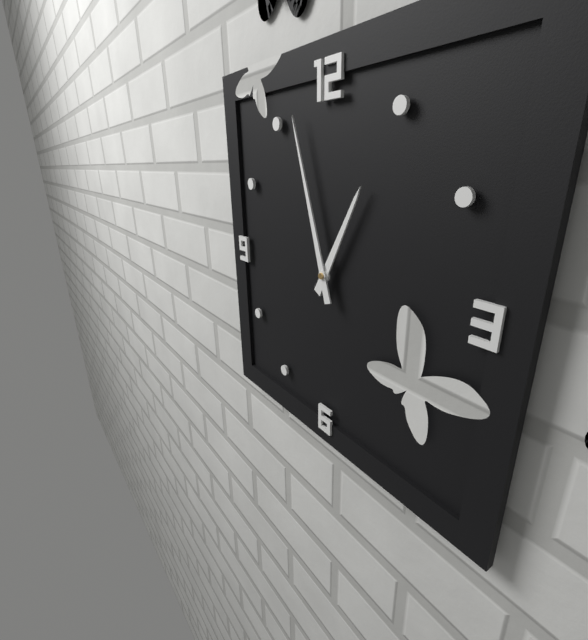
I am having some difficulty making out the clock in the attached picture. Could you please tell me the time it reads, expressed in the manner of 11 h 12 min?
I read 12 h 57 min
